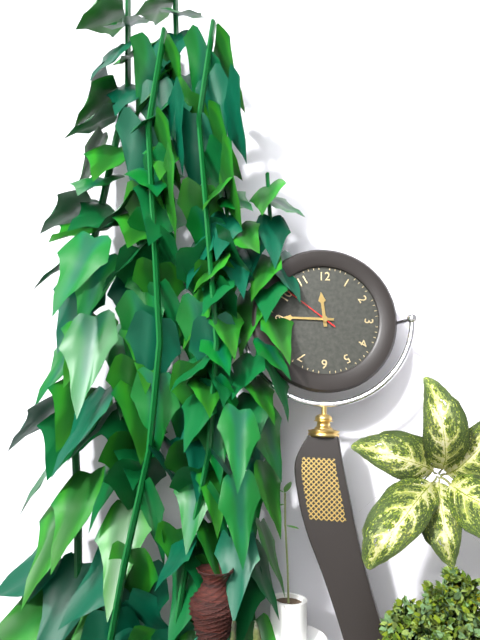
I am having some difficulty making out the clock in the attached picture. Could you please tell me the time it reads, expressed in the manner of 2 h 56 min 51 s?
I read 11 h 45 min 51 s
